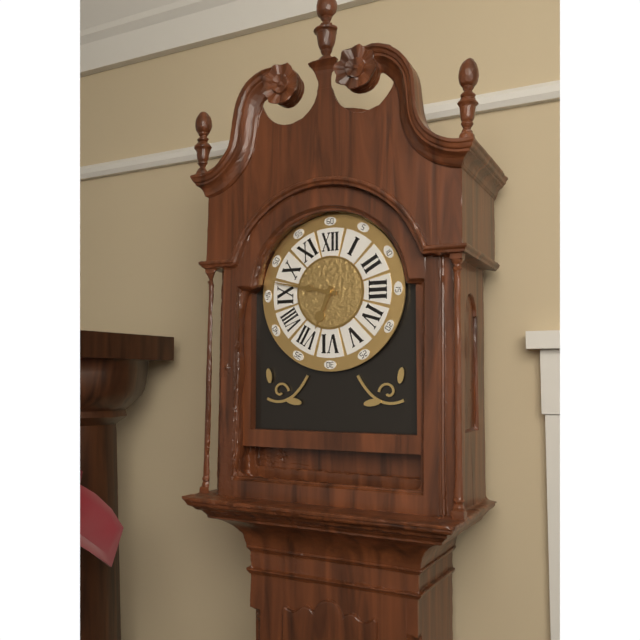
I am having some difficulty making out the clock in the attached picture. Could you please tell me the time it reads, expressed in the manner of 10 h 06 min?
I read 6 h 47 min
